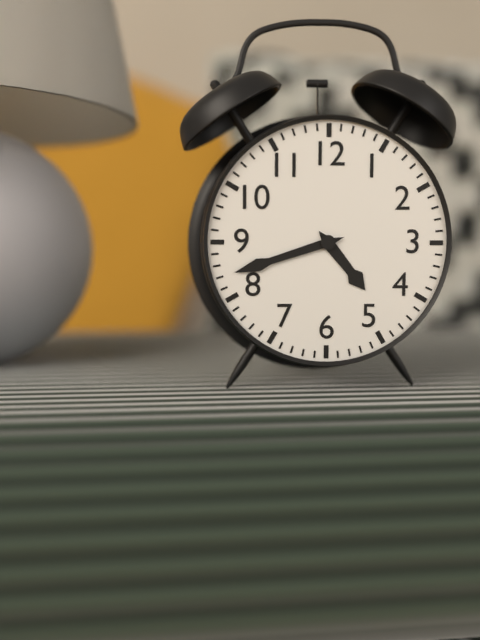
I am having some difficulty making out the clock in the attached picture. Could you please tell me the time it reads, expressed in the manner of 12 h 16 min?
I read 4 h 42 min
